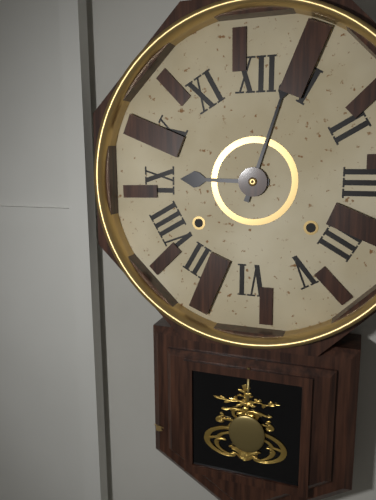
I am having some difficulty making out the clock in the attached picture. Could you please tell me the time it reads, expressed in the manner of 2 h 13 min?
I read 9 h 03 min
